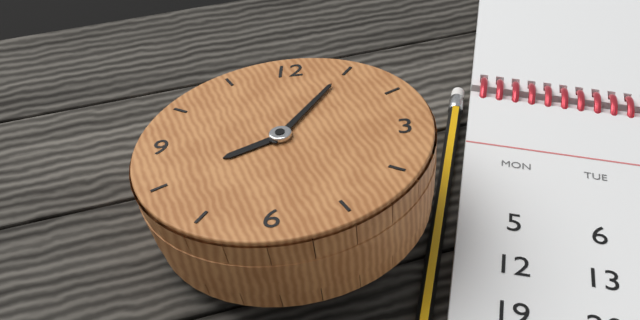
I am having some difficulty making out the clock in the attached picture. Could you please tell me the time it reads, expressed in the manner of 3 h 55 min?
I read 8 h 05 min
